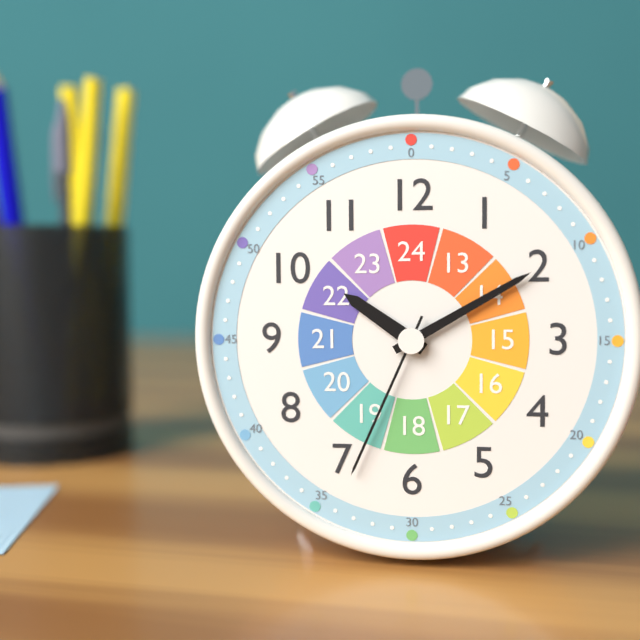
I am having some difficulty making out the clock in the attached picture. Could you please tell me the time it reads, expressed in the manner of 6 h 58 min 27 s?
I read 10 h 10 min 34 s
